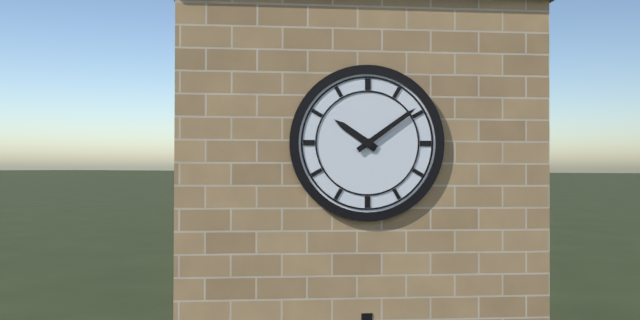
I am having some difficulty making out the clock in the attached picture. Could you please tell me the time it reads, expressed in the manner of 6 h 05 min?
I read 10 h 09 min
